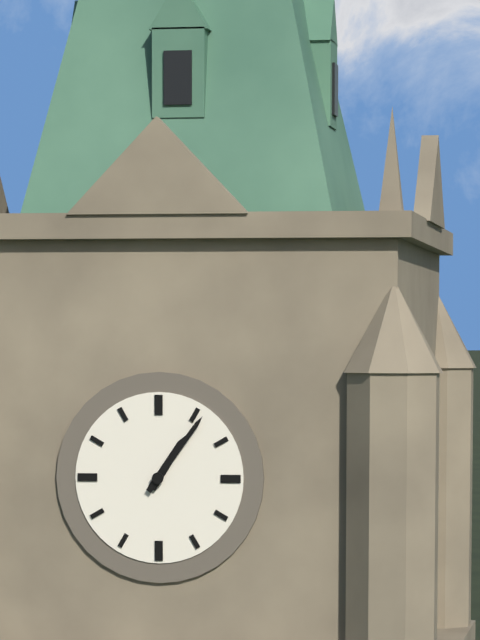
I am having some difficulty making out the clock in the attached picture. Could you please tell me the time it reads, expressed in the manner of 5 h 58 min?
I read 1 h 06 min
